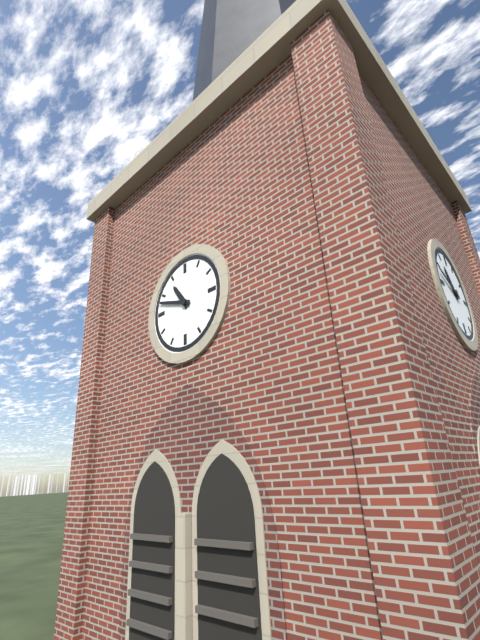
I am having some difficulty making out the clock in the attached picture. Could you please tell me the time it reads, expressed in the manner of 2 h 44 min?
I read 10 h 48 min
